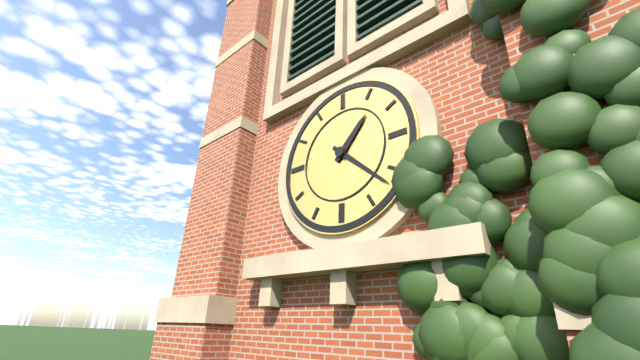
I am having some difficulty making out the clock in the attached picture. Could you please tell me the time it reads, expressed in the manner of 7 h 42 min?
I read 1 h 22 min
